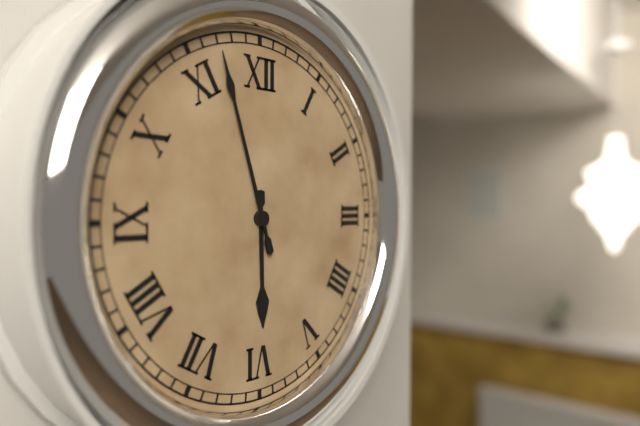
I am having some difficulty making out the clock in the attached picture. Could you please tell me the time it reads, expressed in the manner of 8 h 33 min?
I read 5 h 57 min
